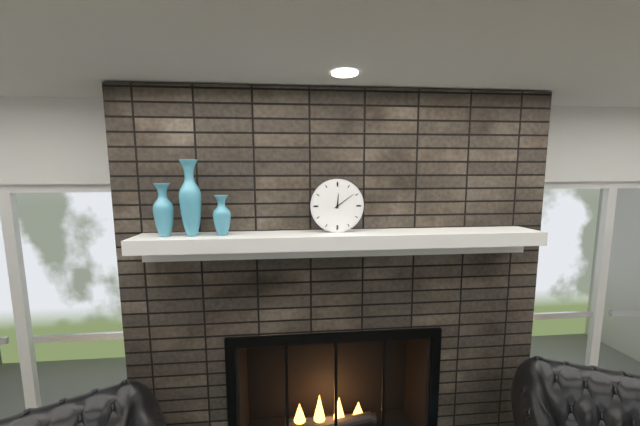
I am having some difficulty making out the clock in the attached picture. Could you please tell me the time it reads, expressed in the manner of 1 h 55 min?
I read 12 h 09 min
